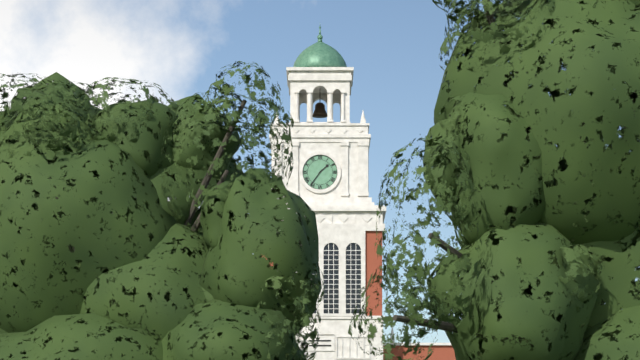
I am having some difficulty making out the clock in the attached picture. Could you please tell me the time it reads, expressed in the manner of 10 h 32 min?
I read 1 h 36 min
